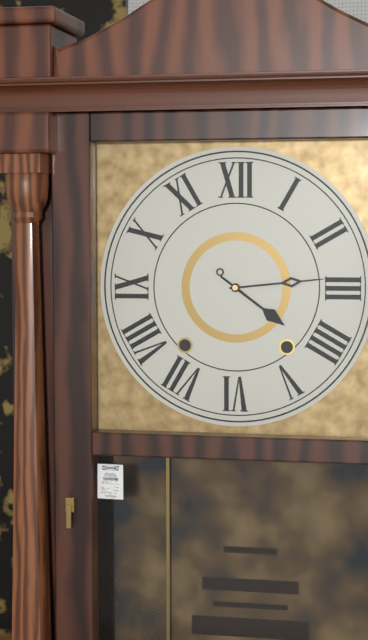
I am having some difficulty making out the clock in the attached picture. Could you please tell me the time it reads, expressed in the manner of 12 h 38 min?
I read 4 h 14 min
